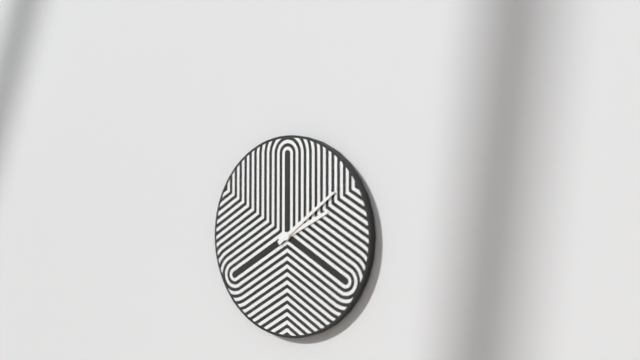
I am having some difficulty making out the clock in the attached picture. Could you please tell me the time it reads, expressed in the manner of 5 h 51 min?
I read 2 h 09 min
